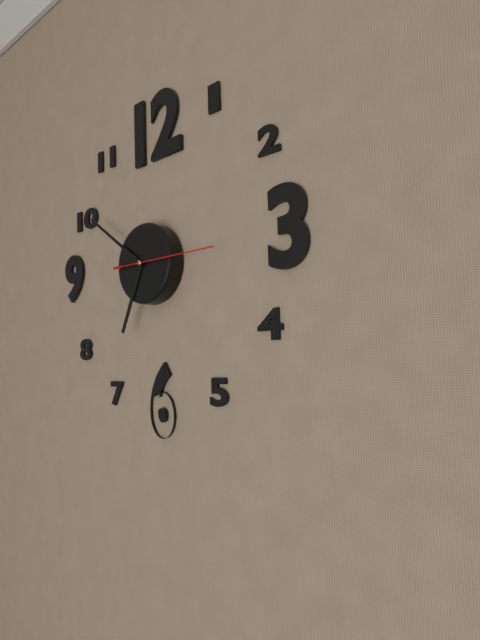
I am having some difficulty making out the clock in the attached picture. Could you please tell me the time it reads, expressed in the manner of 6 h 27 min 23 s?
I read 6 h 51 min 15 s
